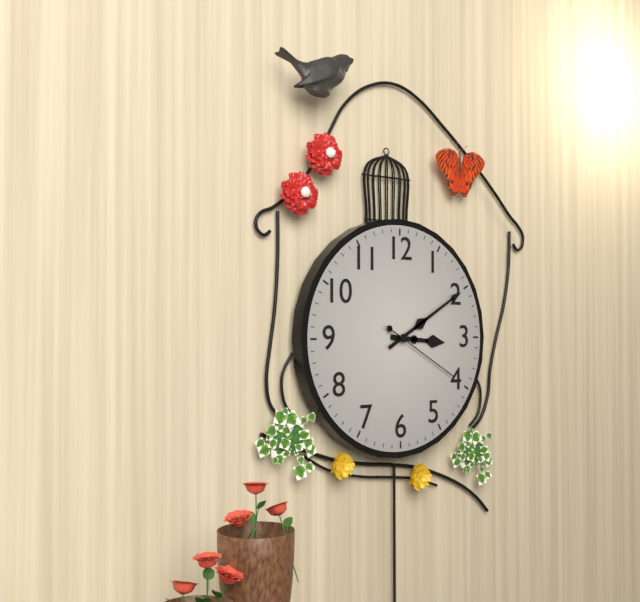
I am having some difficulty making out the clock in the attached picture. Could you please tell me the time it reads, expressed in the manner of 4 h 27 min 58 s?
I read 3 h 10 min 20 s
